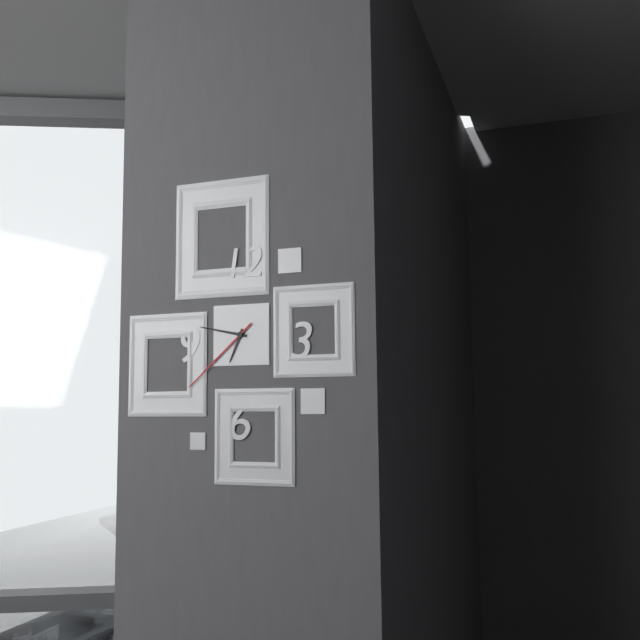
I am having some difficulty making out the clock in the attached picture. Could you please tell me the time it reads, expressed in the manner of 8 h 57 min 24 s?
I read 6 h 47 min 38 s
